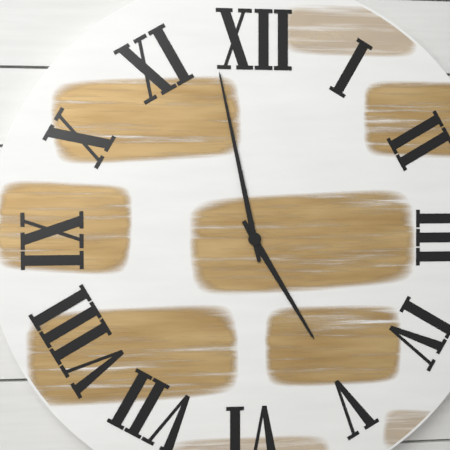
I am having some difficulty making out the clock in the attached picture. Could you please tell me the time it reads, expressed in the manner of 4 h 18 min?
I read 4 h 58 min
